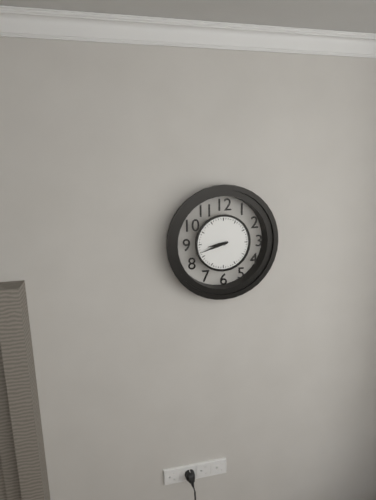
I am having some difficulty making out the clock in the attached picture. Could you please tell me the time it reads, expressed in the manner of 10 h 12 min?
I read 8 h 42 min
